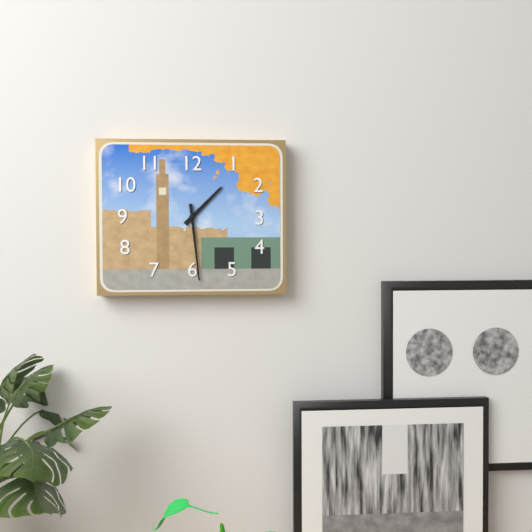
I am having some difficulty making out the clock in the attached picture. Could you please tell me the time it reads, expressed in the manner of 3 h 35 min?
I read 1 h 29 min
